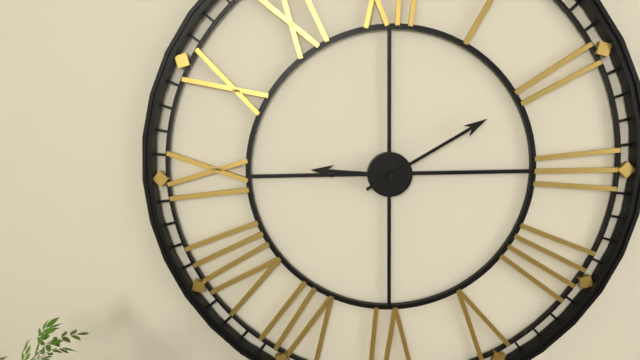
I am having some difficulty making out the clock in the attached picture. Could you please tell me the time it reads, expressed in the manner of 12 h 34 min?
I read 9 h 10 min
